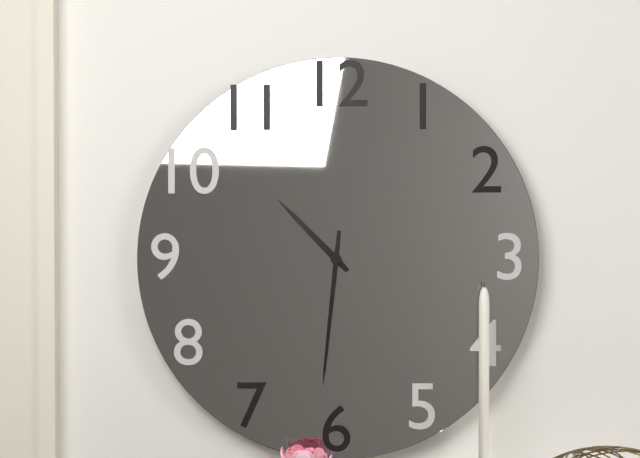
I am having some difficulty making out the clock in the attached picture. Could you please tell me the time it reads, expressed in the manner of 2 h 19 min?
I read 10 h 31 min
